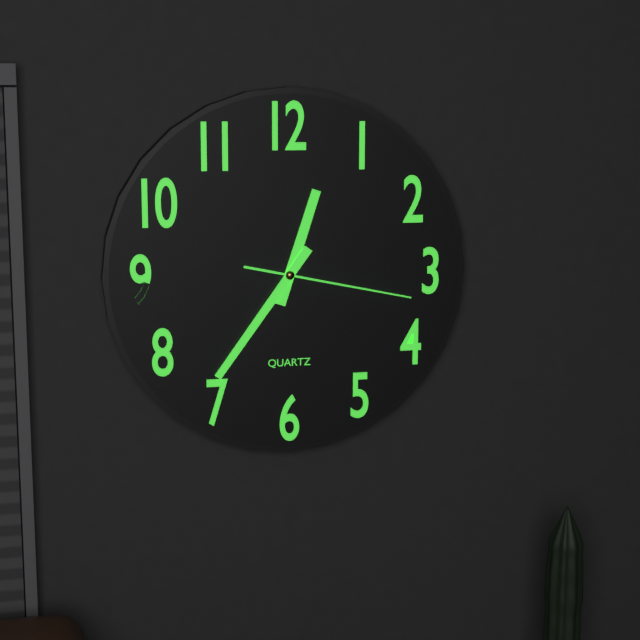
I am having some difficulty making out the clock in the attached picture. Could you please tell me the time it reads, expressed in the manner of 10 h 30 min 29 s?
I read 12 h 36 min 17 s
